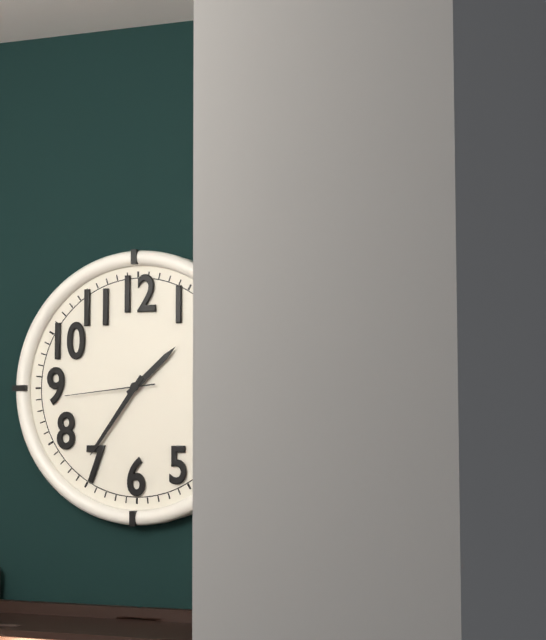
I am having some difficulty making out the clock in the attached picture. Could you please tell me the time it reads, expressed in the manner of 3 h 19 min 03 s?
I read 1 h 36 min 44 s
